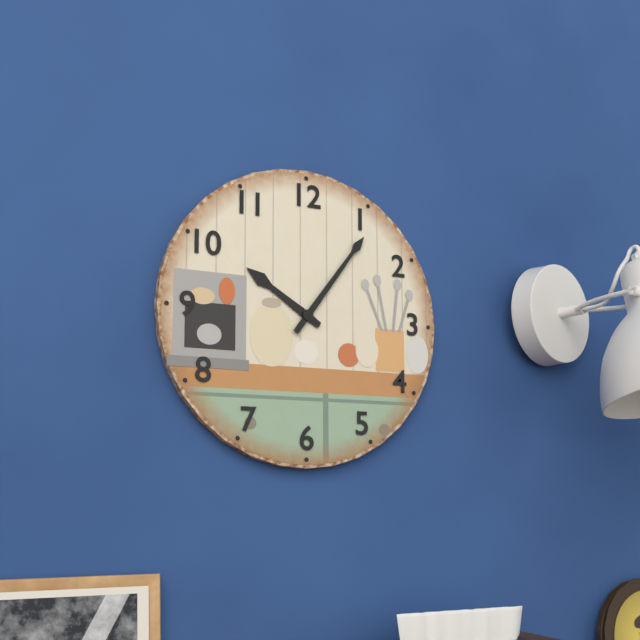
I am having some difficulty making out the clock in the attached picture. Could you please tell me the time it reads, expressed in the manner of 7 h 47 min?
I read 10 h 06 min
